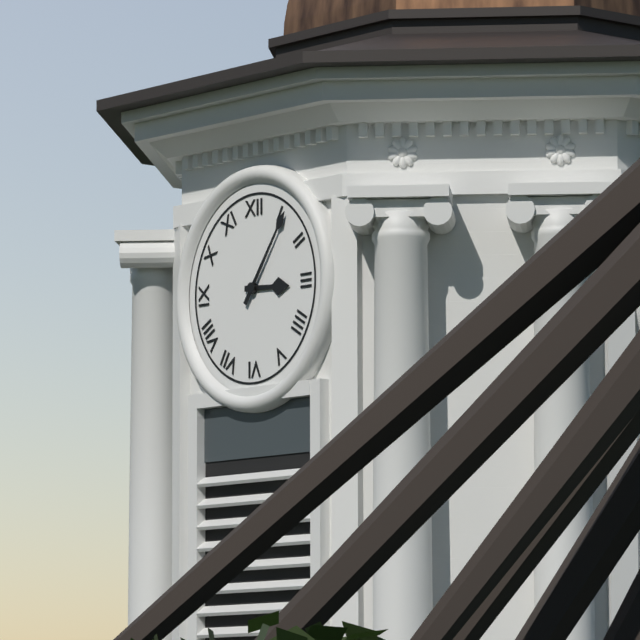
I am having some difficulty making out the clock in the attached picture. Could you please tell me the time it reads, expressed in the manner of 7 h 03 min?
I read 3 h 06 min
